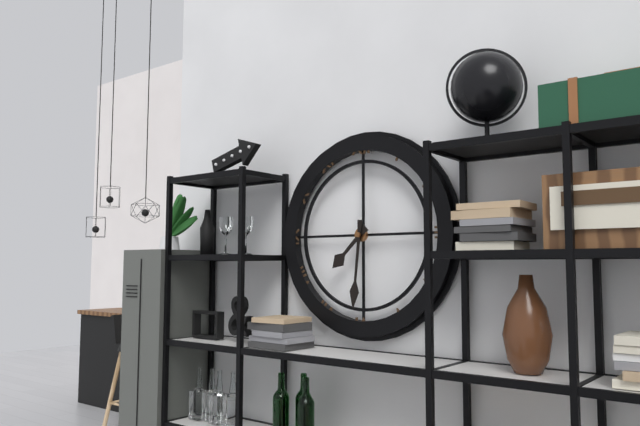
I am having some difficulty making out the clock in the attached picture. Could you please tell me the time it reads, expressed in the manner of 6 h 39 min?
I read 7 h 31 min
